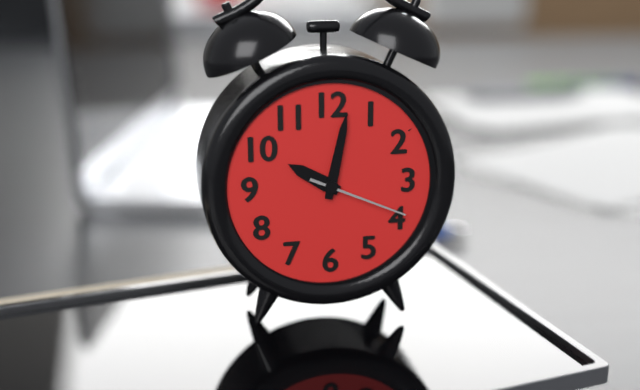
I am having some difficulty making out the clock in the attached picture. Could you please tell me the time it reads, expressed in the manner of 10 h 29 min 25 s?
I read 10 h 02 min 19 s
